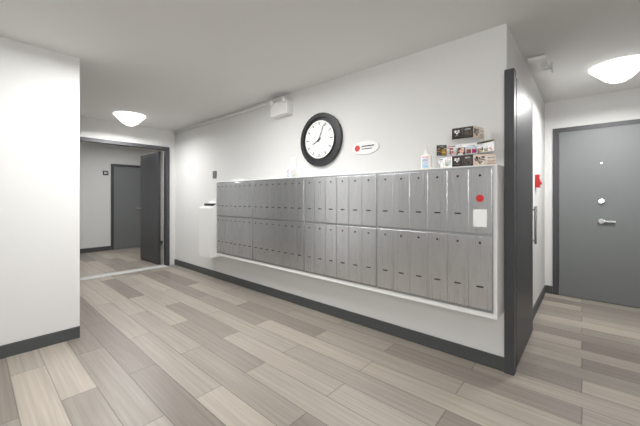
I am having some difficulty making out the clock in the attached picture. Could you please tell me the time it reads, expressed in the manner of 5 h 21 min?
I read 8 h 04 min
